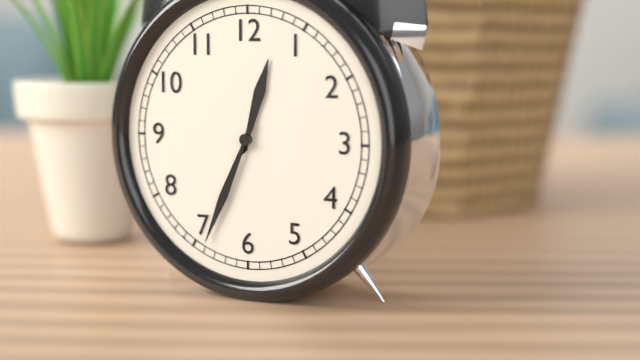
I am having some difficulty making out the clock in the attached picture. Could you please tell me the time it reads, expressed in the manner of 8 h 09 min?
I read 12 h 34 min
